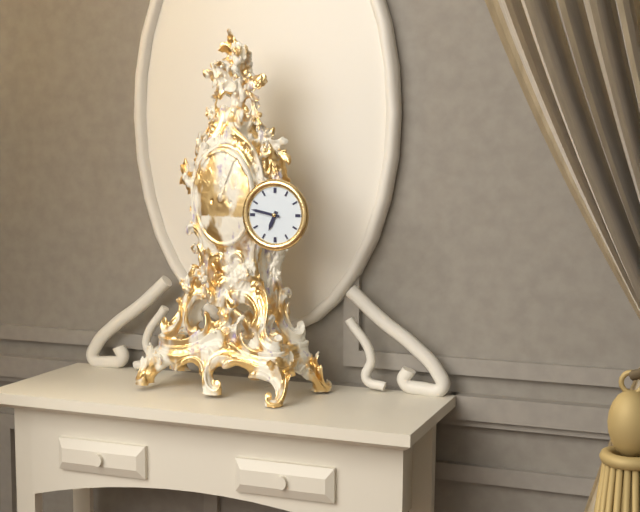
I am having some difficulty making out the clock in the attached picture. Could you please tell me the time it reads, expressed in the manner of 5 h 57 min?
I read 6 h 47 min
